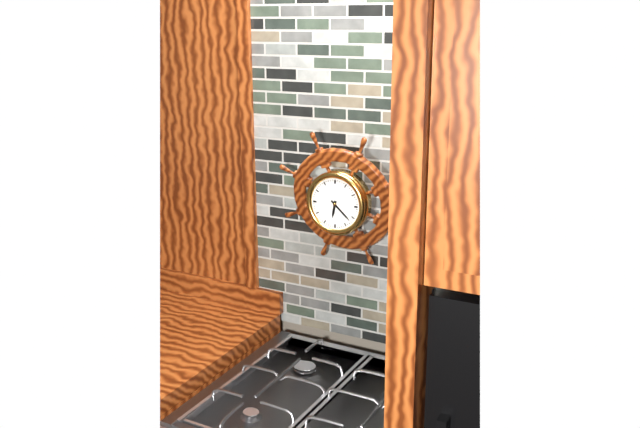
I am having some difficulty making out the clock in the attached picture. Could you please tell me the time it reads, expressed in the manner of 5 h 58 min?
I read 6 h 22 min
